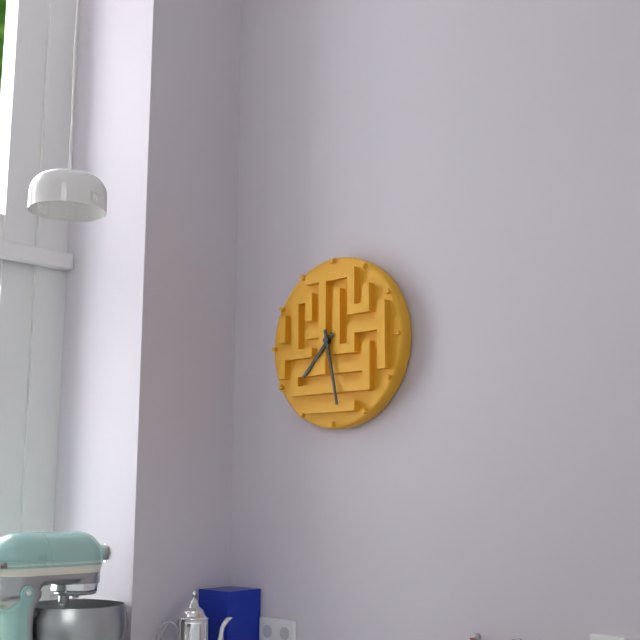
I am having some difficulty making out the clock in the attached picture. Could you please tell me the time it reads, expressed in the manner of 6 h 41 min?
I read 7 h 28 min
